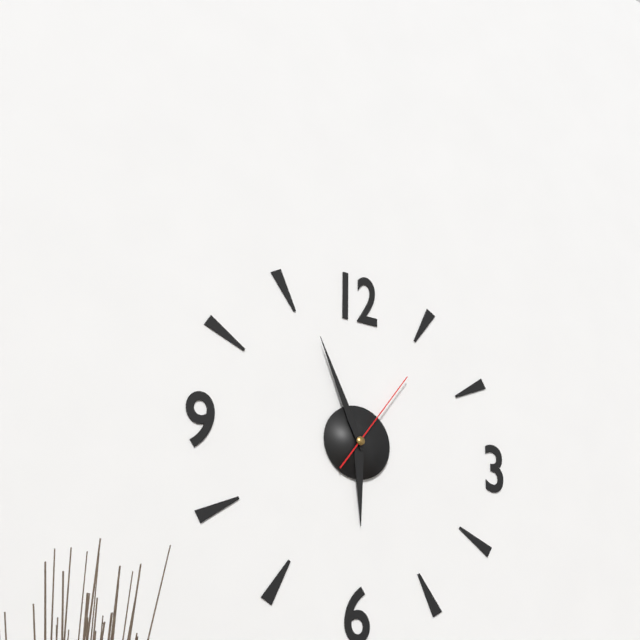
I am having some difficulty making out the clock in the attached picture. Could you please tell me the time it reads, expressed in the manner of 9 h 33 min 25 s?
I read 5 h 56 min 06 s
